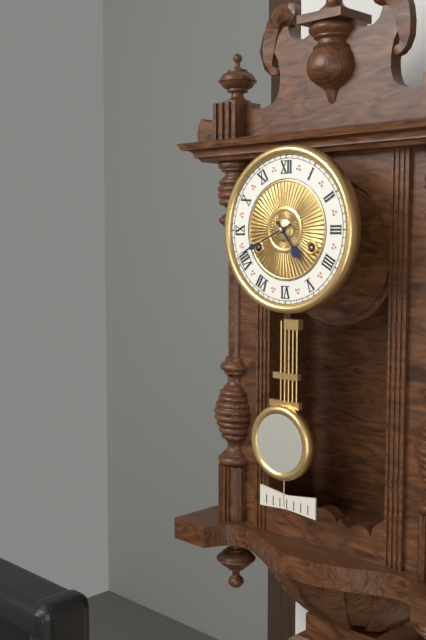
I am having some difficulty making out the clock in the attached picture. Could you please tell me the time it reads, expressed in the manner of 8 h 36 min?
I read 4 h 41 min
